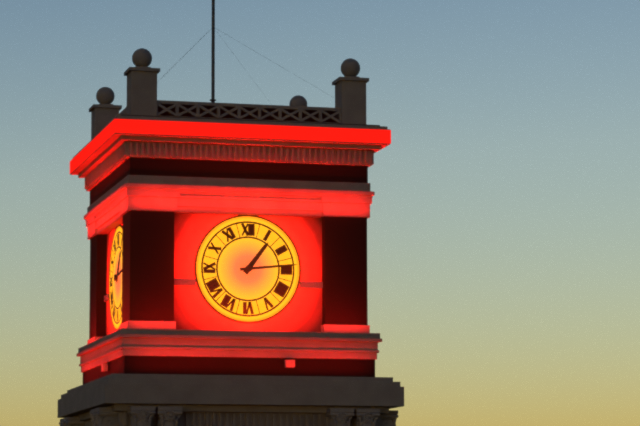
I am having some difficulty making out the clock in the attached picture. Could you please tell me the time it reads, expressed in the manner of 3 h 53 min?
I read 1 h 14 min
